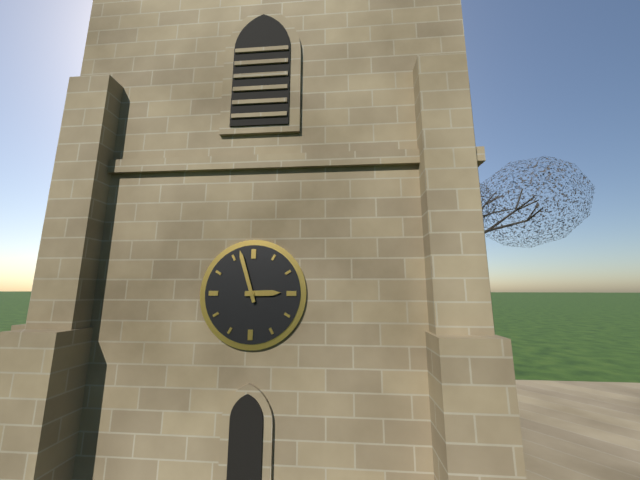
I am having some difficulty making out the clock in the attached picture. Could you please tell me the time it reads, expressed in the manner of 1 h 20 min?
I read 2 h 57 min
